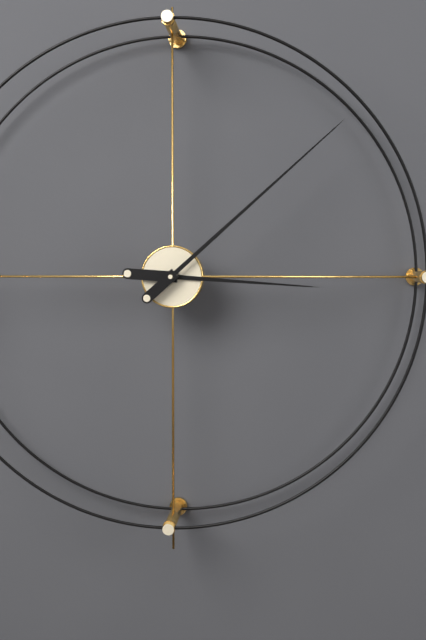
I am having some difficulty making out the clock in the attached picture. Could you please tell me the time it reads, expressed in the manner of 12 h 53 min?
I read 3 h 08 min
